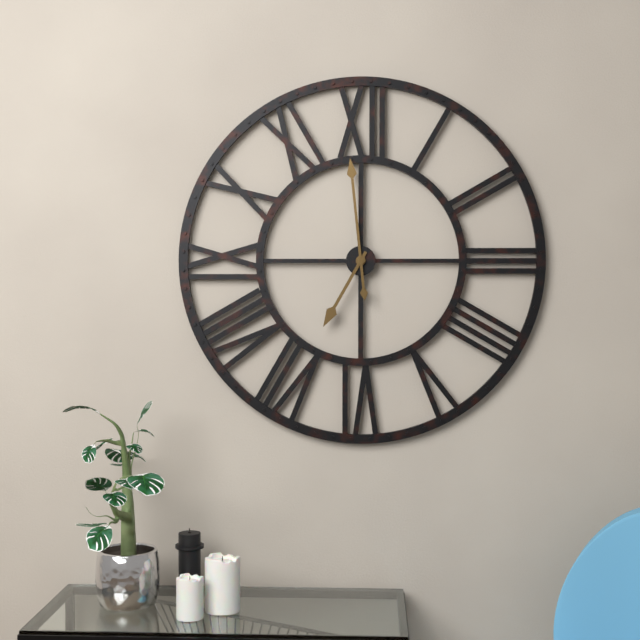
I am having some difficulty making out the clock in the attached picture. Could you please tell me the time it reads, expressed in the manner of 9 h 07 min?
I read 6 h 59 min
